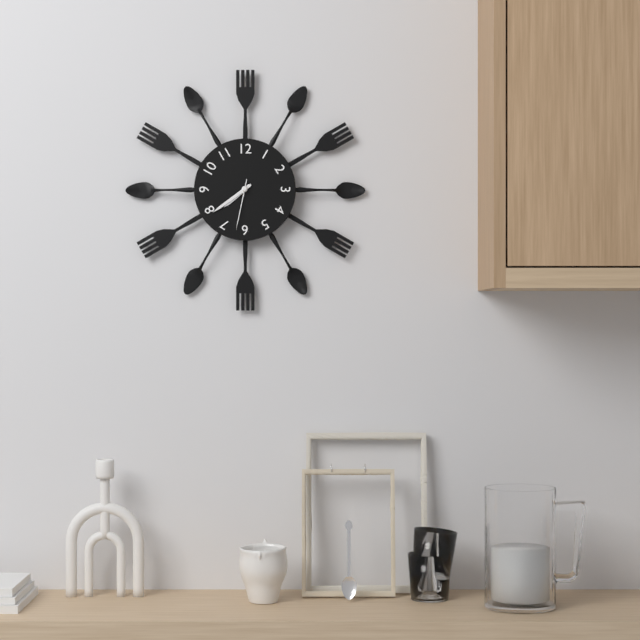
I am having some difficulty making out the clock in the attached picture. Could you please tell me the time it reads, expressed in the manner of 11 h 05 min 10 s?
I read 7 h 39 min 32 s
